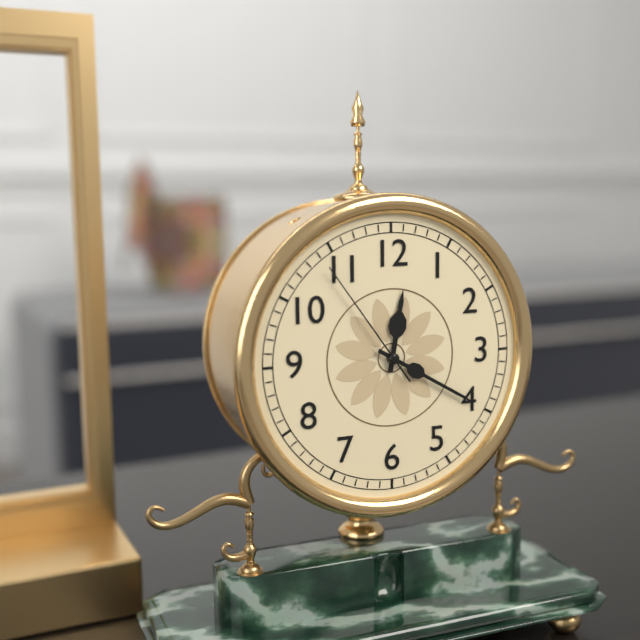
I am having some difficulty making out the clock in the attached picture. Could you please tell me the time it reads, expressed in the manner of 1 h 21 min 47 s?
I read 12 h 20 min 54 s
